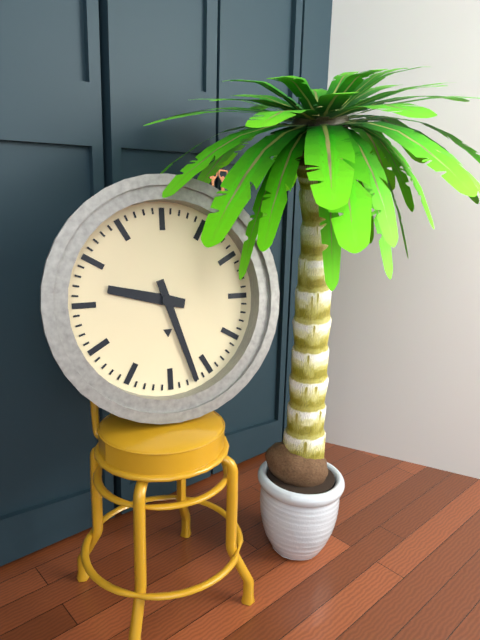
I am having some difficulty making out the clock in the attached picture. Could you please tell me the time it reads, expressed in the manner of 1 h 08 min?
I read 9 h 27 min
